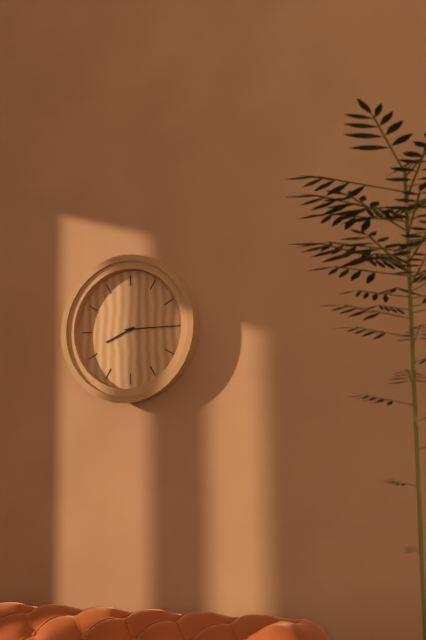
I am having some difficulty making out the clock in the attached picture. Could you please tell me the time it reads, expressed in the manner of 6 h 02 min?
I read 8 h 15 min
